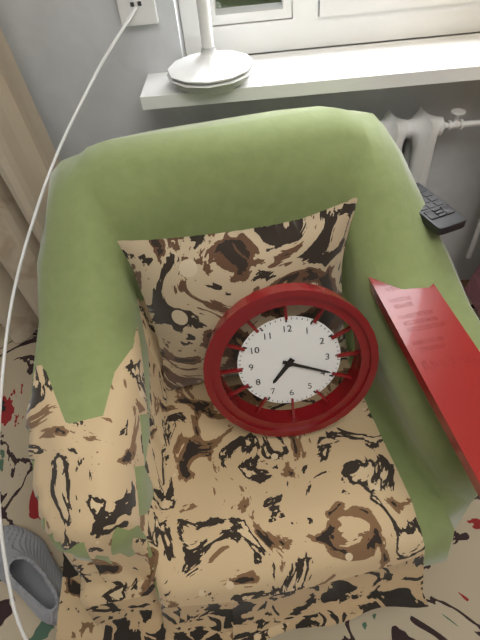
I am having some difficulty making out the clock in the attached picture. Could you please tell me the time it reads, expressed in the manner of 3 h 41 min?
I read 7 h 19 min
